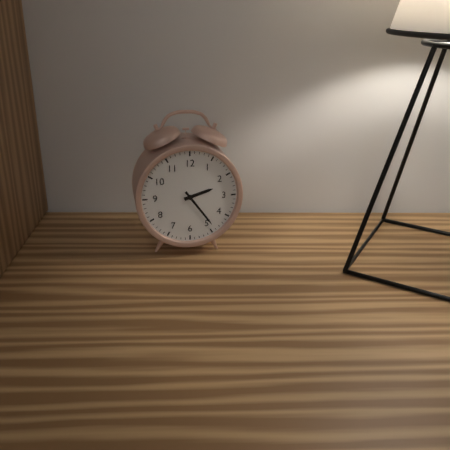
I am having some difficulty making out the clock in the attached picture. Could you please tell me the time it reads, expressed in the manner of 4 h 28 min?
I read 2 h 24 min
